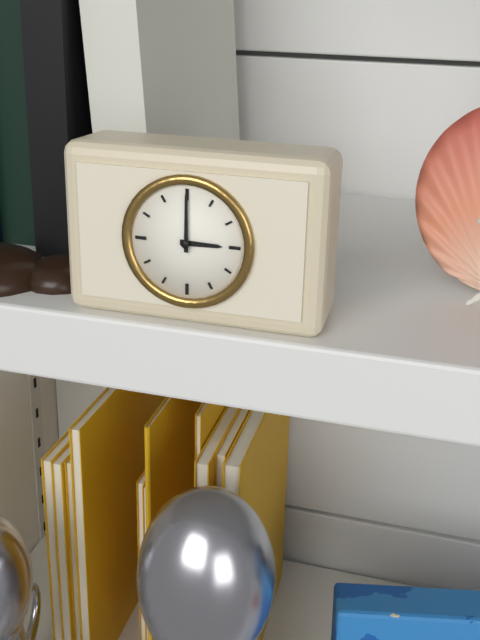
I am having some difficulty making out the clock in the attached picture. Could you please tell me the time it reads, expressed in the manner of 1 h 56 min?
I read 3 h 00 min
